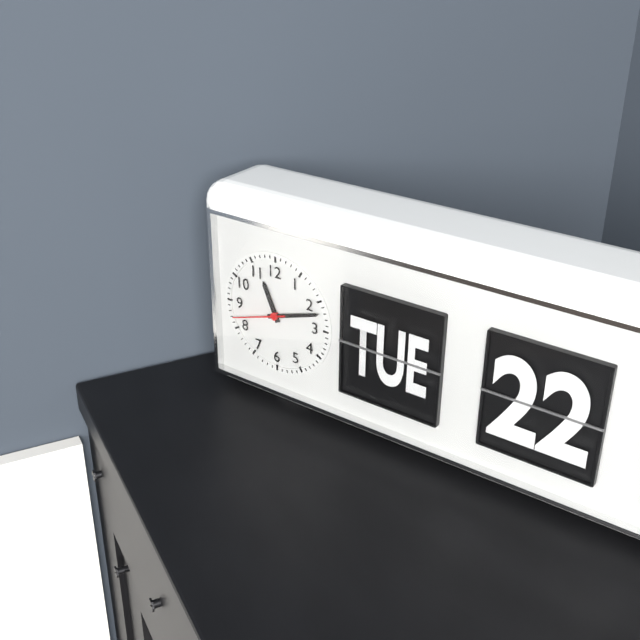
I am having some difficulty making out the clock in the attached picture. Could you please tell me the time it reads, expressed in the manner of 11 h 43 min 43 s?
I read 11 h 12 min 42 s
